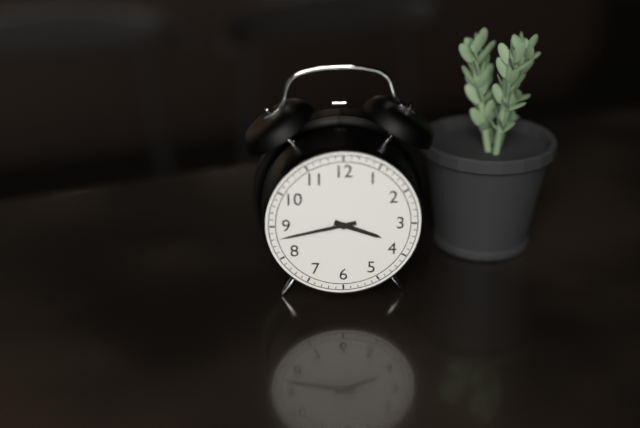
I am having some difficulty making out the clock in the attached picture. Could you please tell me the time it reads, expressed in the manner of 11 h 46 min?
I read 3 h 43 min
